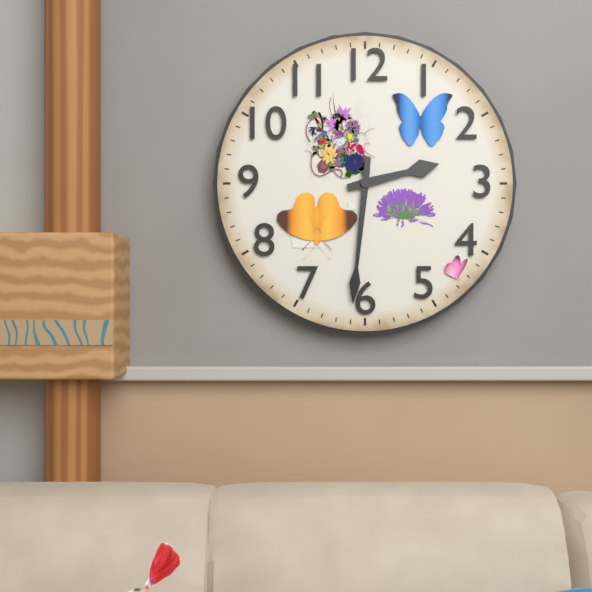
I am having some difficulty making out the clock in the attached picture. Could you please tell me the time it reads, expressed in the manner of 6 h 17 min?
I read 2 h 31 min
